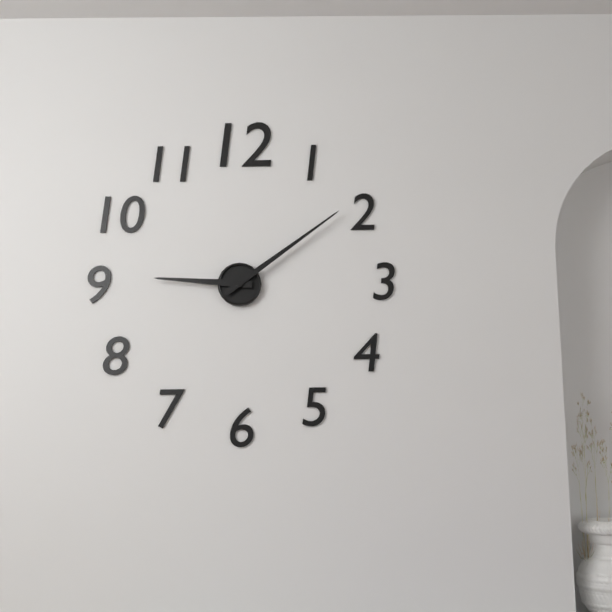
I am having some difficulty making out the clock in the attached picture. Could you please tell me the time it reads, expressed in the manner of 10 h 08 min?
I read 9 h 09 min
